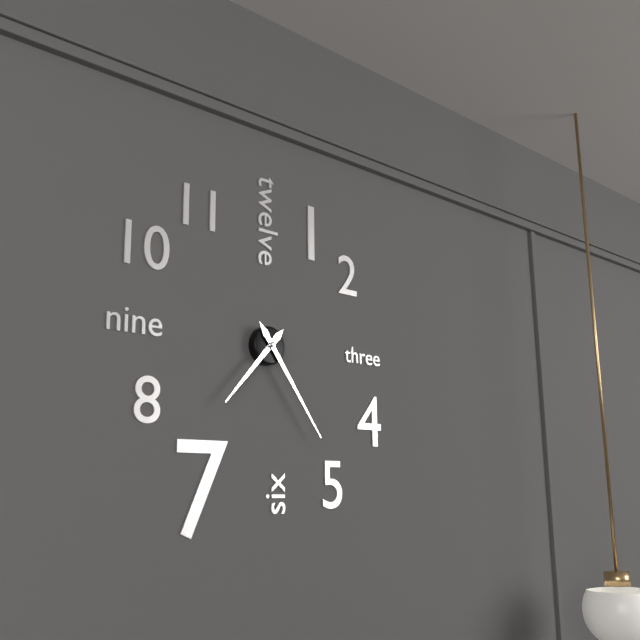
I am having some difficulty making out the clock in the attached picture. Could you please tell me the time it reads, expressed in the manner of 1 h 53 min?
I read 7 h 24 min
